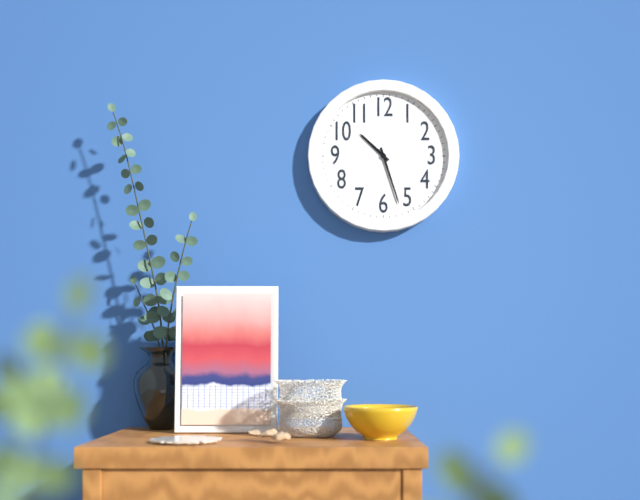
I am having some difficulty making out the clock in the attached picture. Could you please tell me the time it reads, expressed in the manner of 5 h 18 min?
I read 10 h 27 min
